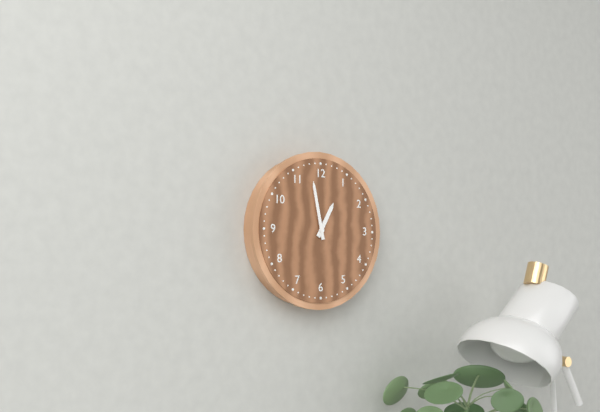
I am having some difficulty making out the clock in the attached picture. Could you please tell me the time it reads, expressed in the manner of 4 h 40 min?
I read 12 h 58 min
